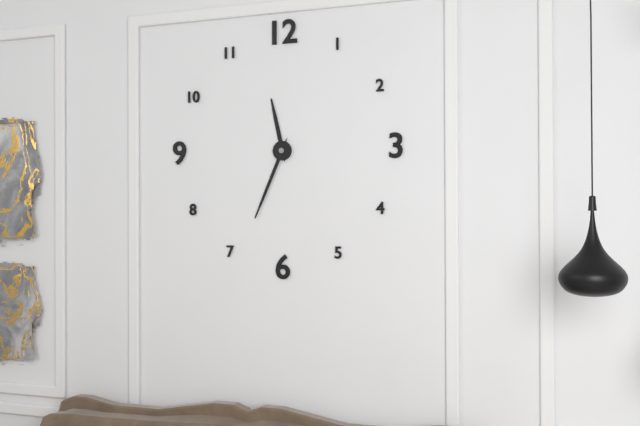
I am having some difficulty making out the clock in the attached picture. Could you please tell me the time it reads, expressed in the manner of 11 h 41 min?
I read 11 h 34 min
